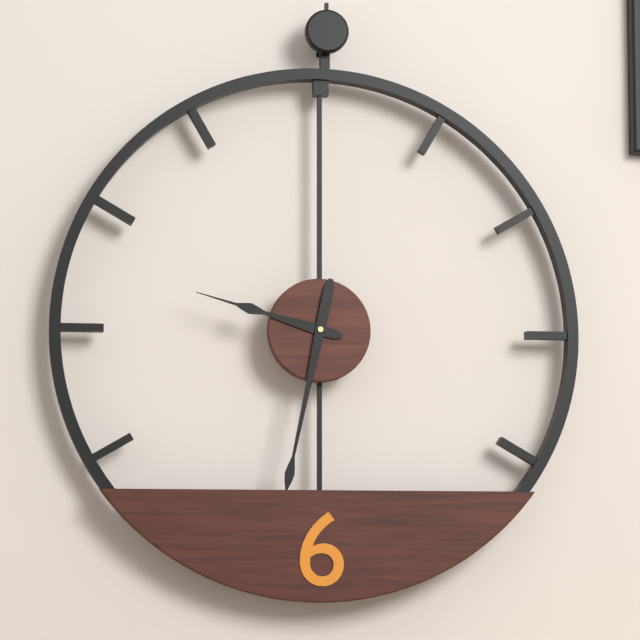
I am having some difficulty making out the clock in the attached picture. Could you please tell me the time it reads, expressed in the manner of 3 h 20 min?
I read 9 h 32 min
